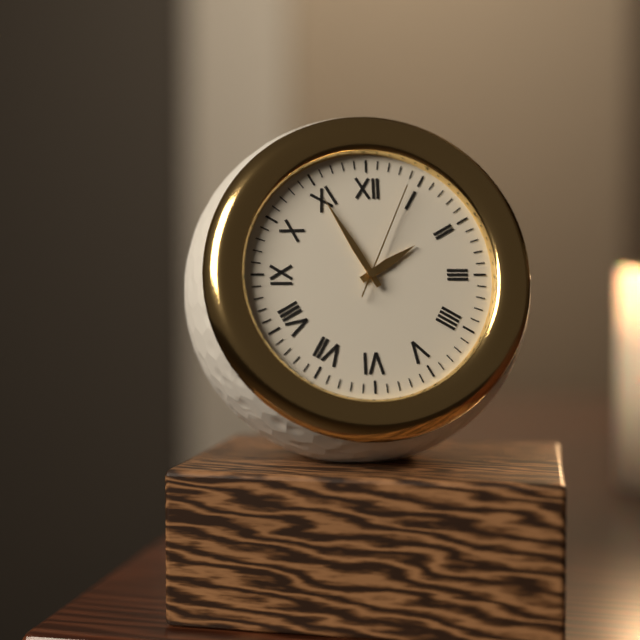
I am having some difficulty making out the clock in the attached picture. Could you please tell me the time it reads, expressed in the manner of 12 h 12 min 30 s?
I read 1 h 55 min 04 s
